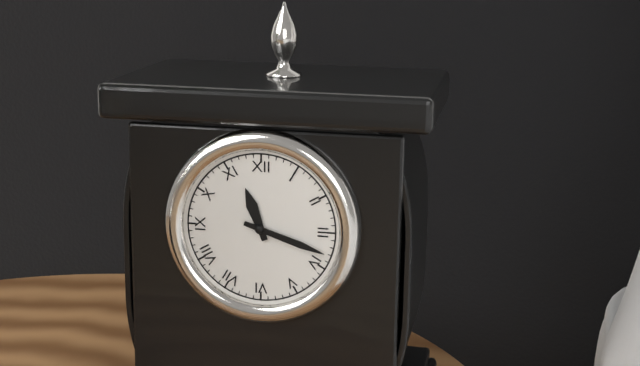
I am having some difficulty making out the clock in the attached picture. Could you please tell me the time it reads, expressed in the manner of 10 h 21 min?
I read 11 h 18 min
